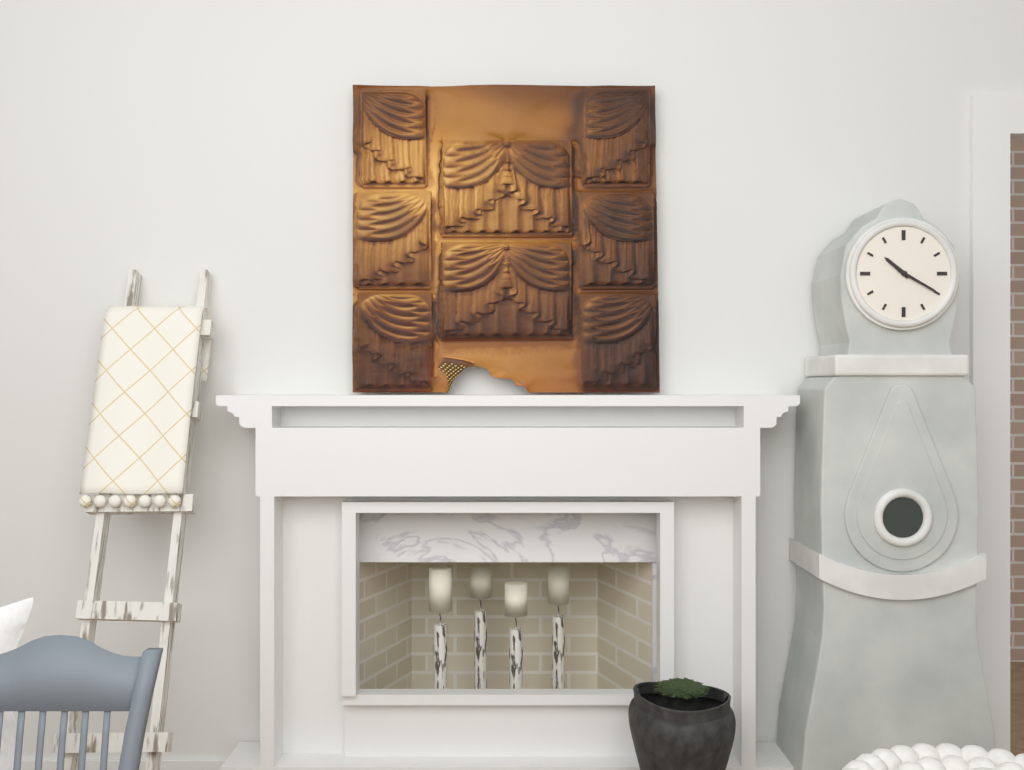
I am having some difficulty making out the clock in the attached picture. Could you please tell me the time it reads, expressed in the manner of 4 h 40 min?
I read 10 h 20 min
